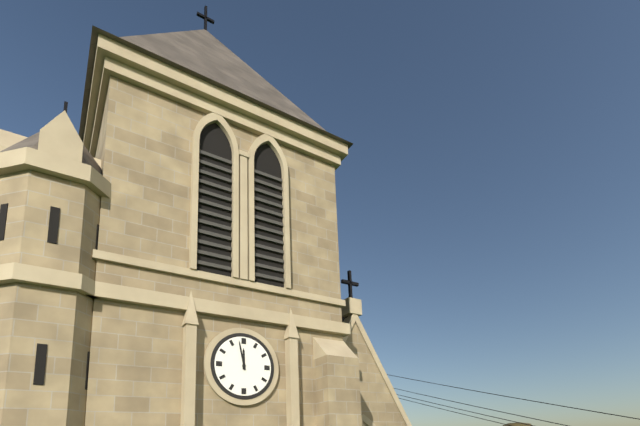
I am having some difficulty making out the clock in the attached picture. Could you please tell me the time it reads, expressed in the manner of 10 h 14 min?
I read 11 h 58 min
